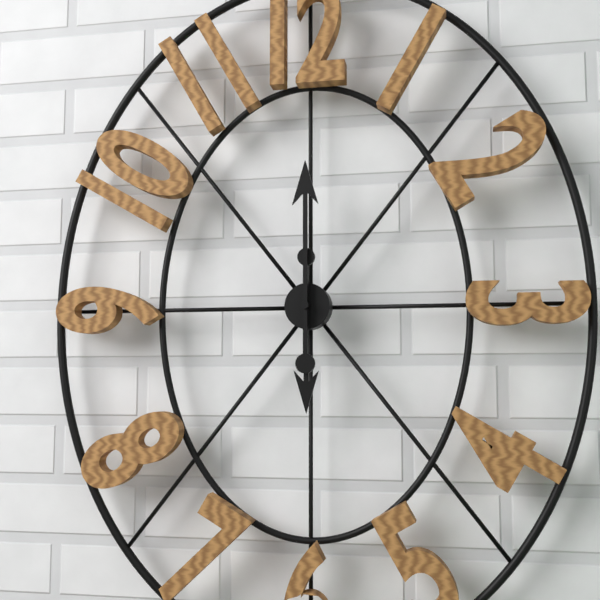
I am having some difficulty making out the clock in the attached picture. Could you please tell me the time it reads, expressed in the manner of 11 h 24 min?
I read 6 h 00 min
